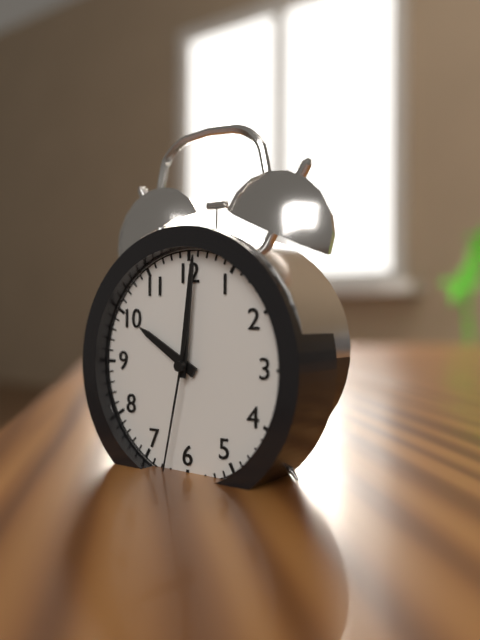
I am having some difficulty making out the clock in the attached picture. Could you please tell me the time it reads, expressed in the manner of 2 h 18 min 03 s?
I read 10 h 01 min 32 s
